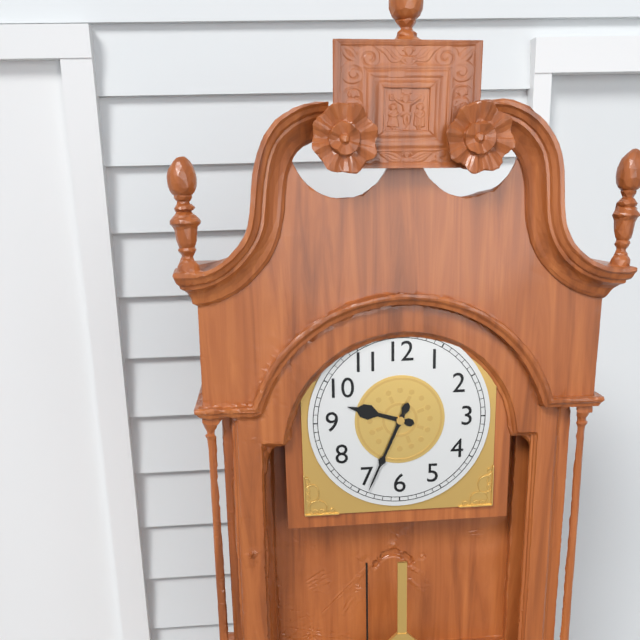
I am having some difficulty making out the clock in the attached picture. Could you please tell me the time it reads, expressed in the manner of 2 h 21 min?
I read 9 h 34 min
